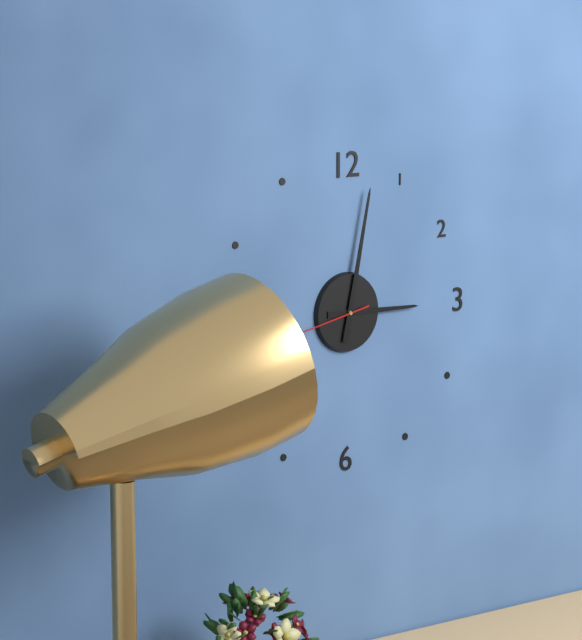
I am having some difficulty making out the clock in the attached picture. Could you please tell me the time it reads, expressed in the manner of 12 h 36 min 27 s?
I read 3 h 02 min 43 s
